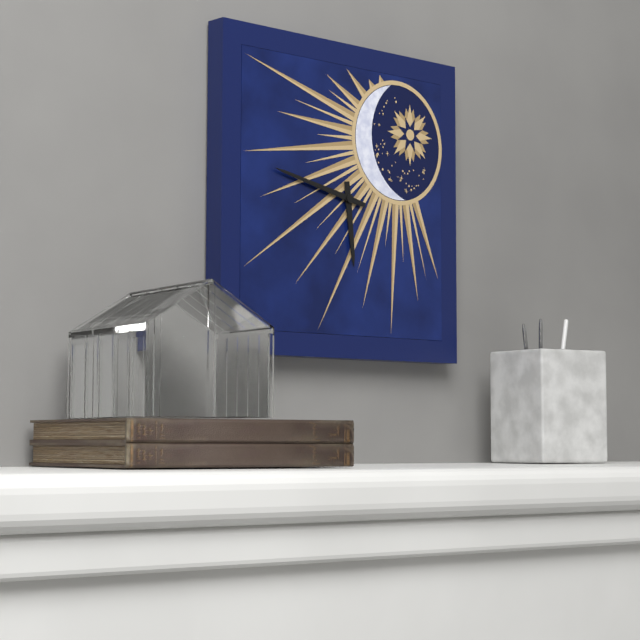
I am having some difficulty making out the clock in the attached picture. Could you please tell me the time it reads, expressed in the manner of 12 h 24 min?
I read 5 h 47 min
